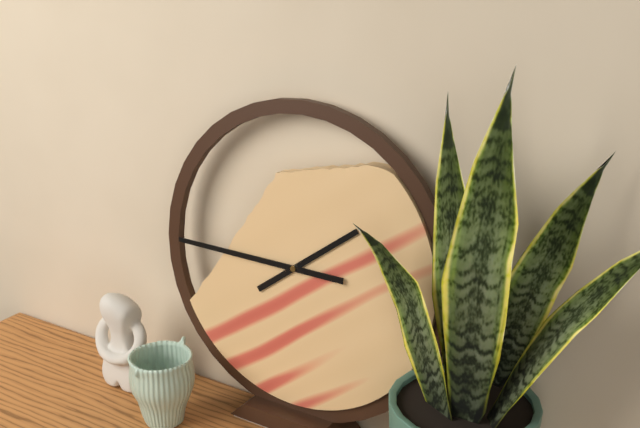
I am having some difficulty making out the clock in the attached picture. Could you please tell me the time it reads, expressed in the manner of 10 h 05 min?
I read 1 h 45 min
